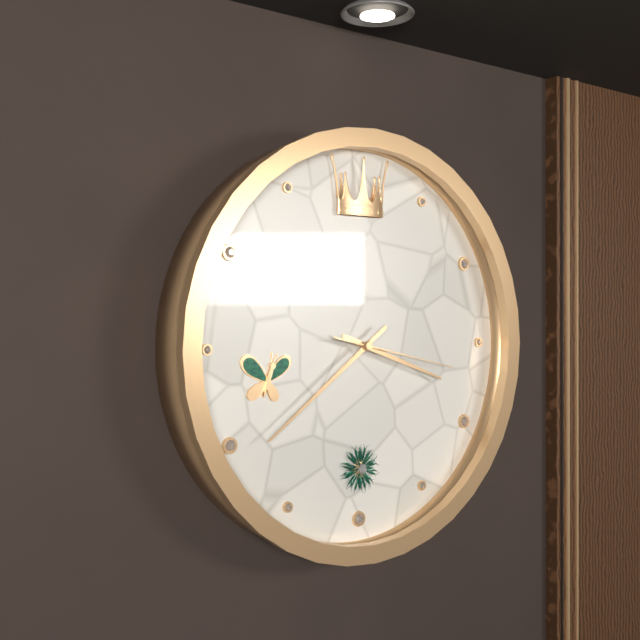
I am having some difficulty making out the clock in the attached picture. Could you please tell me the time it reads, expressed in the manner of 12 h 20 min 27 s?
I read 3 h 39 min 17 s
